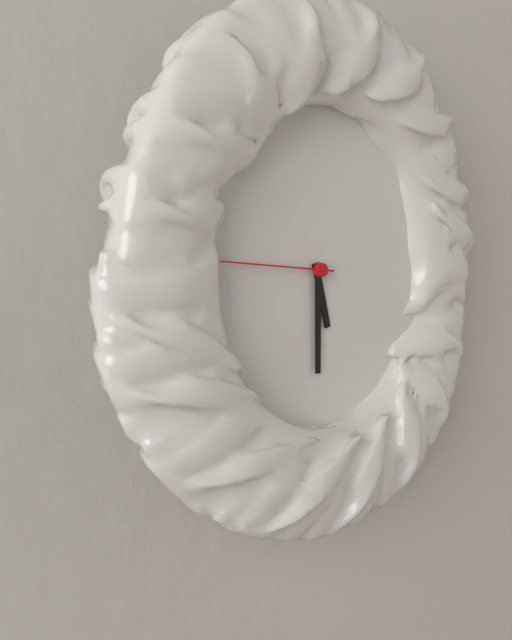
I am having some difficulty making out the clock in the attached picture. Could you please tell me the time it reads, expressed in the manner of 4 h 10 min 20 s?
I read 5 h 30 min 46 s
